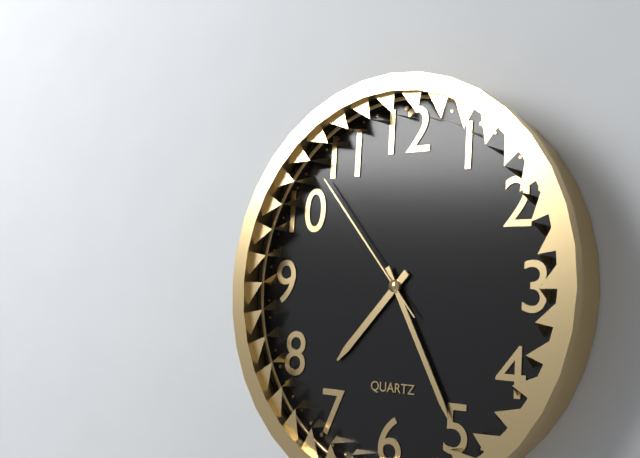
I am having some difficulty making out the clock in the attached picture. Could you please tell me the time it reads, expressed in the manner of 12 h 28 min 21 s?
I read 7 h 25 min 53 s
